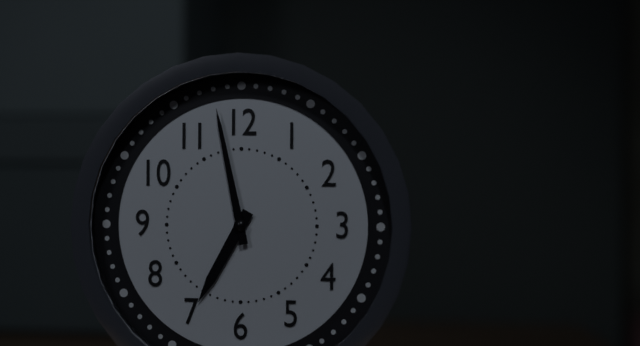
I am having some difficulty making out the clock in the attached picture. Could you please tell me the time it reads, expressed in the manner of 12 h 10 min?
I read 6 h 58 min
